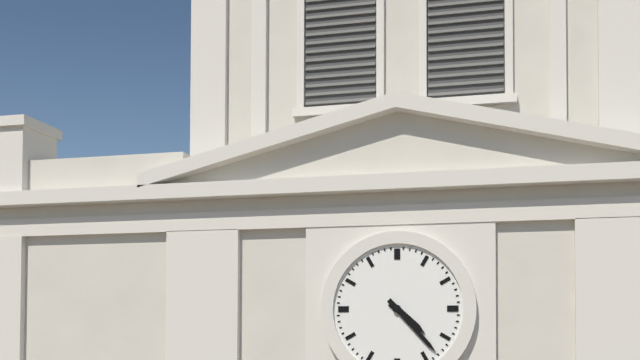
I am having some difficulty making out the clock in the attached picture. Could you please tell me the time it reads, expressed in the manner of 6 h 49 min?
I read 4 h 23 min
